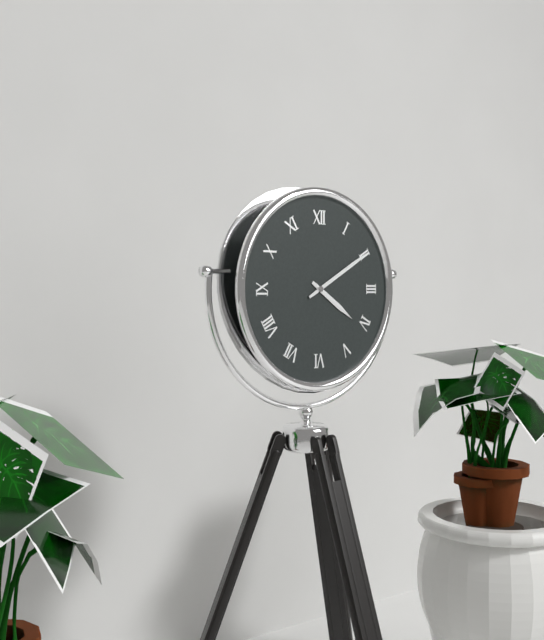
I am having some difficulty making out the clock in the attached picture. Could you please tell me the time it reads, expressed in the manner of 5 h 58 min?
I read 4 h 10 min
